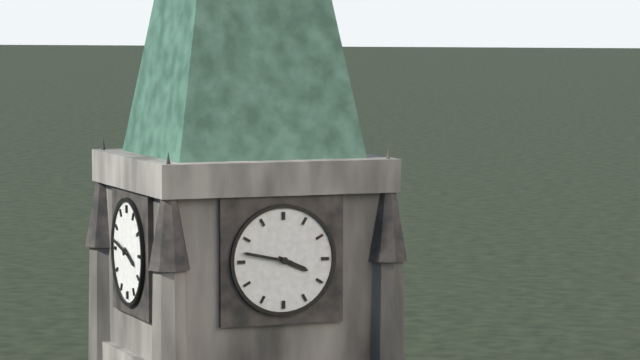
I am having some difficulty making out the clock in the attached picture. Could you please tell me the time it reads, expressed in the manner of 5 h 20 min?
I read 3 h 47 min
